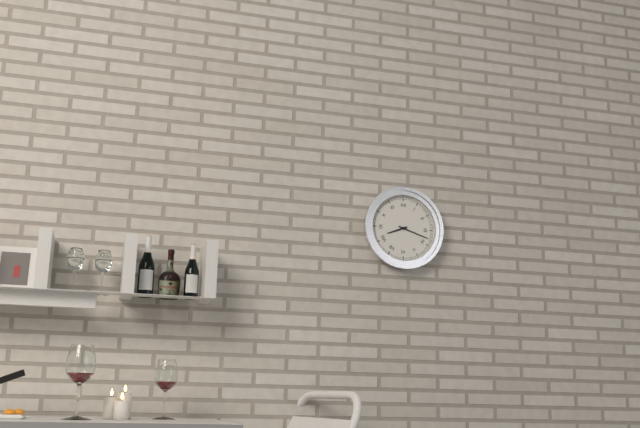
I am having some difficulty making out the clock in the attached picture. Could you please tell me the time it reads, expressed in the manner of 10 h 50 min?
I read 8 h 18 min
